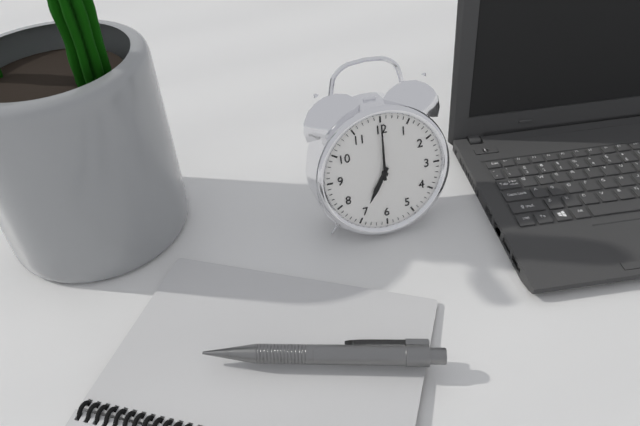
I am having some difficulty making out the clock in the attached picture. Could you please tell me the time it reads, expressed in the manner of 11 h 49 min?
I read 7 h 00 min
